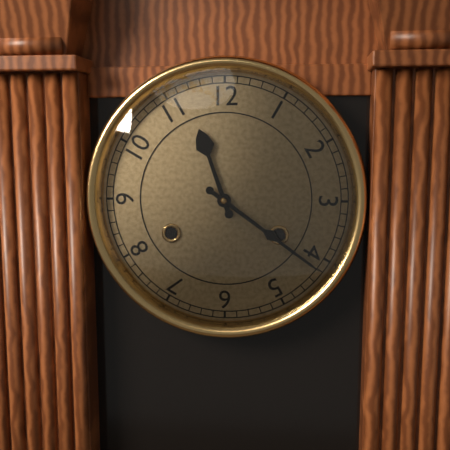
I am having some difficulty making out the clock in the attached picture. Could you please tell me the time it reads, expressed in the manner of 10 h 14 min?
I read 11 h 21 min
